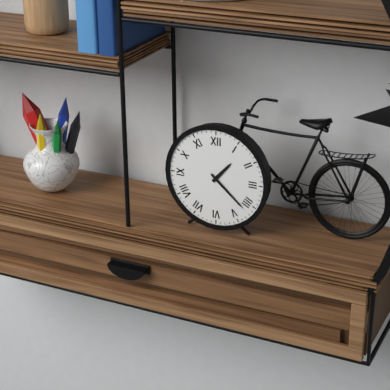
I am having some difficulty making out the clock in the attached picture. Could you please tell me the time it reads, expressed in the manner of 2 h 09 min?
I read 1 h 22 min
